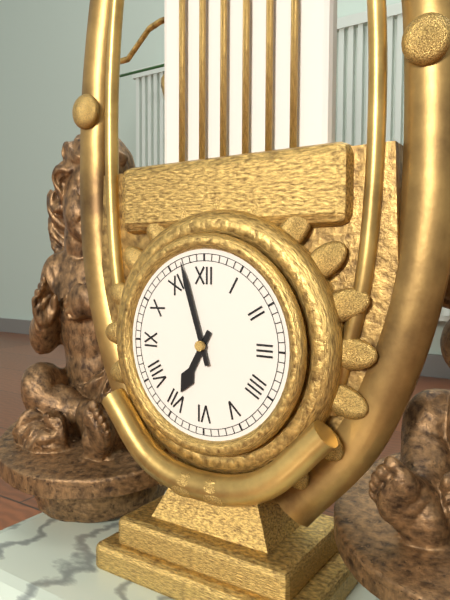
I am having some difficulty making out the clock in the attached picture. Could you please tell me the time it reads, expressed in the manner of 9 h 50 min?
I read 6 h 57 min
